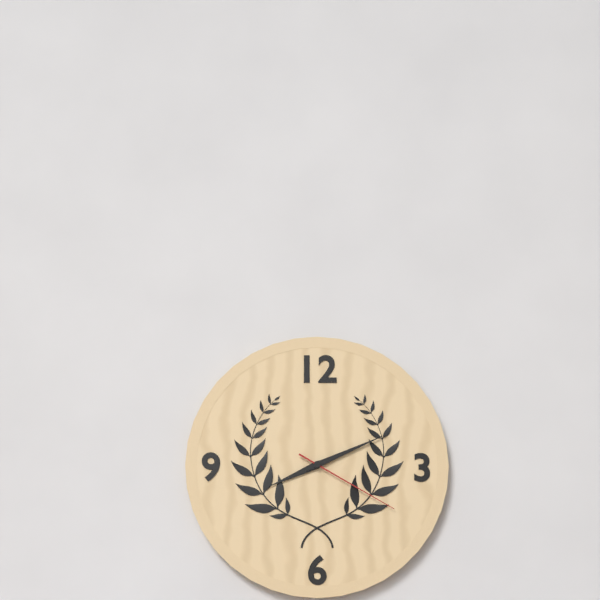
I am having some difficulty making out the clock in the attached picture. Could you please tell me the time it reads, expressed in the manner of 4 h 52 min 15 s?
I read 8 h 11 min 20 s
